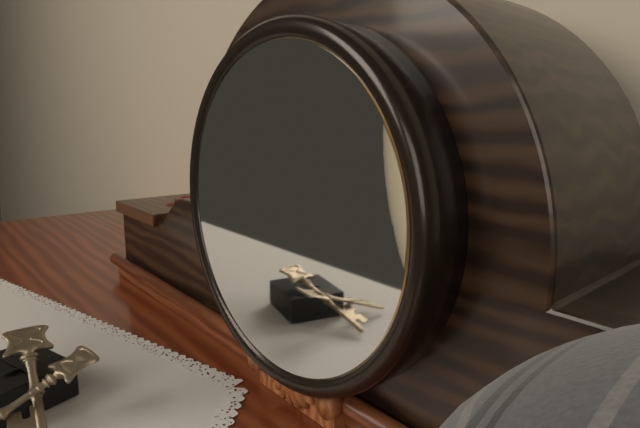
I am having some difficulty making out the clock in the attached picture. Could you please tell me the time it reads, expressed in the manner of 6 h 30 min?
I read 2 h 06 min
